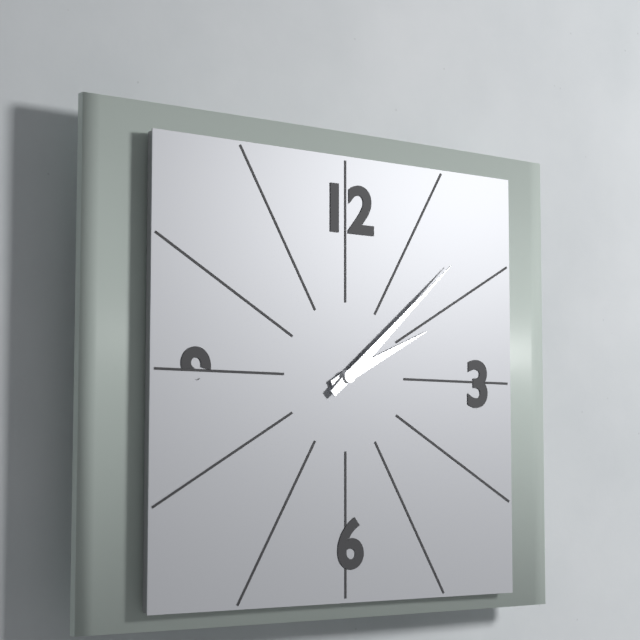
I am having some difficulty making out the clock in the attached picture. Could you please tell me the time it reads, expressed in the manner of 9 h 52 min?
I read 2 h 08 min
